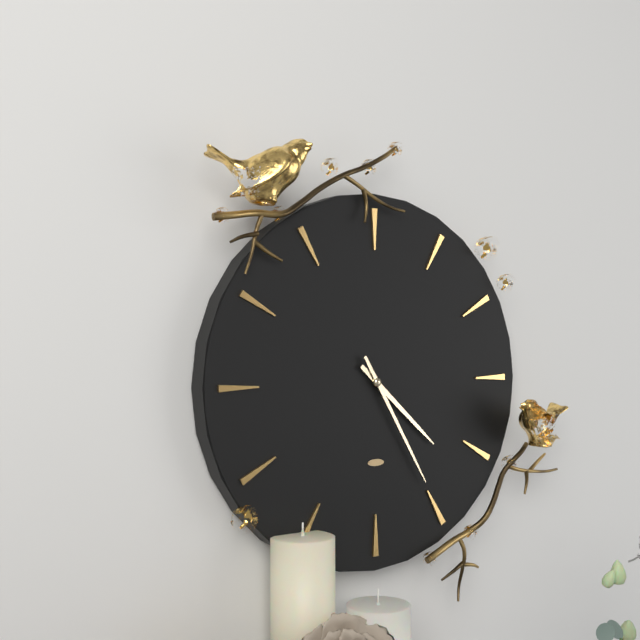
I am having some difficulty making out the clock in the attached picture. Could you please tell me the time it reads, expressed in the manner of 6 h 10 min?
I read 4 h 25 min
